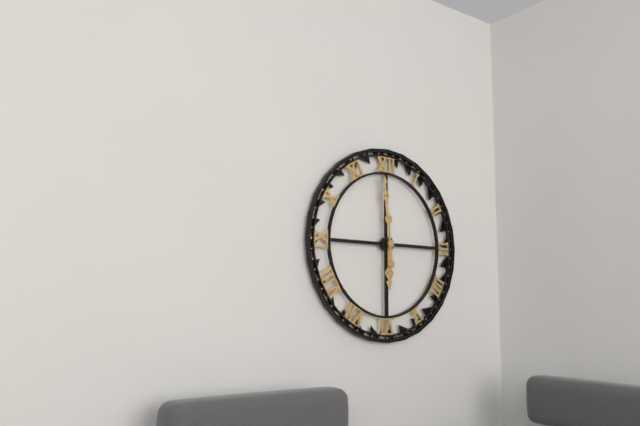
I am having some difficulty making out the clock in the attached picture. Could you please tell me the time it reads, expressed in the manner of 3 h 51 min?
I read 5 h 59 min
